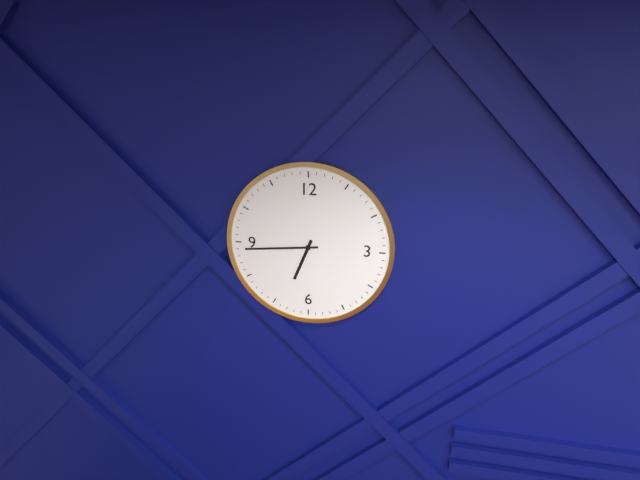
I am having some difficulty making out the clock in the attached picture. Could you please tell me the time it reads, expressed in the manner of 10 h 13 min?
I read 6 h 44 min
